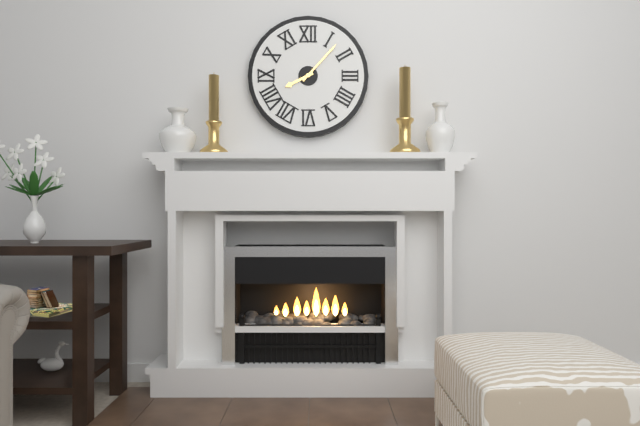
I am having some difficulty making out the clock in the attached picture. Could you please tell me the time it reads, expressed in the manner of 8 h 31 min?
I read 8 h 07 min
